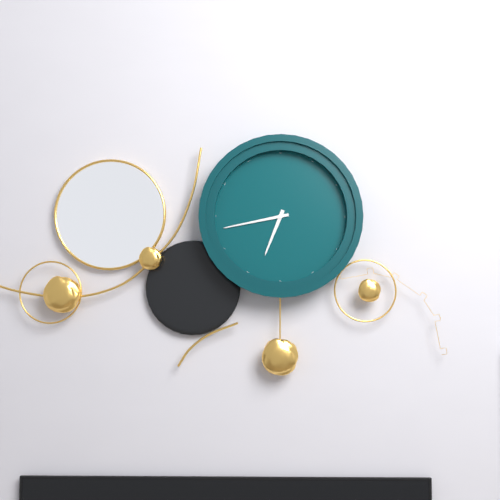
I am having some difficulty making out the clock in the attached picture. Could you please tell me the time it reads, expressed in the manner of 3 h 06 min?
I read 6 h 43 min
